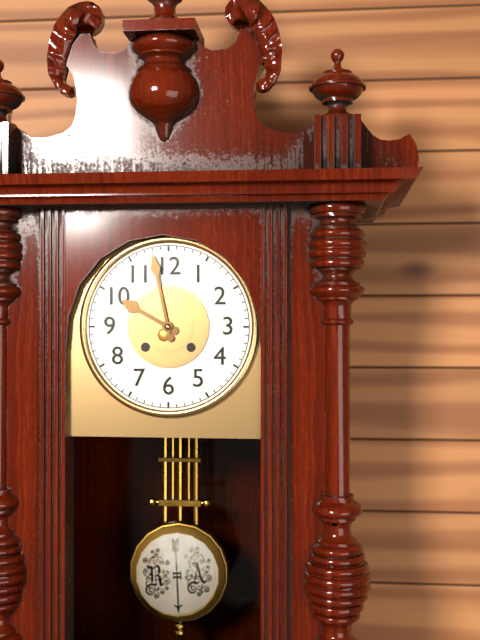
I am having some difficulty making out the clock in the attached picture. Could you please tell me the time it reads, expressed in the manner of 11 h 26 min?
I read 9 h 58 min
